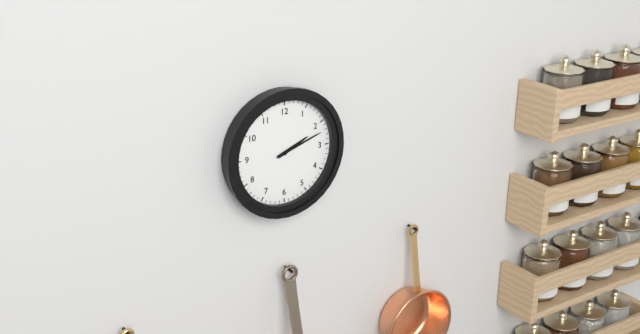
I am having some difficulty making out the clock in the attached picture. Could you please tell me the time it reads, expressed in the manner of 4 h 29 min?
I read 2 h 12 min
